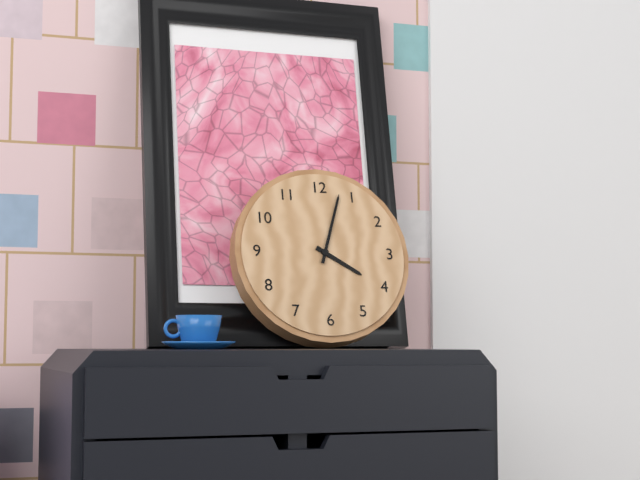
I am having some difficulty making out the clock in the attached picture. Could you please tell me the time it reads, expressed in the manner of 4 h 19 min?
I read 4 h 03 min
